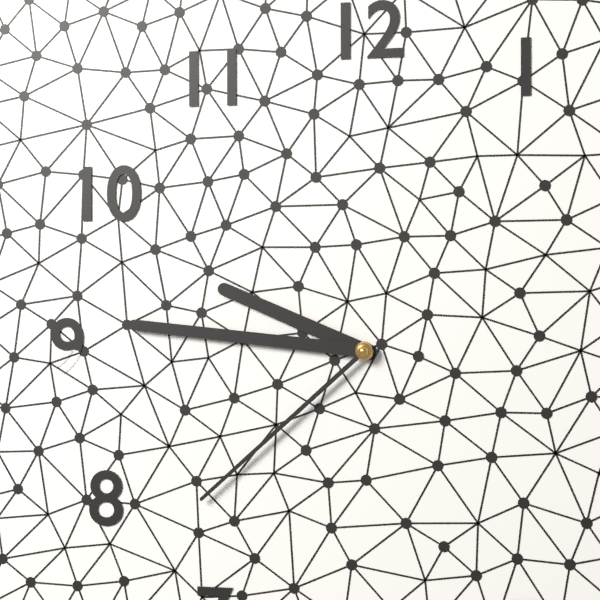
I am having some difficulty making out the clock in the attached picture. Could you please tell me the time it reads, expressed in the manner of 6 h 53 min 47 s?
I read 9 h 46 min 38 s
